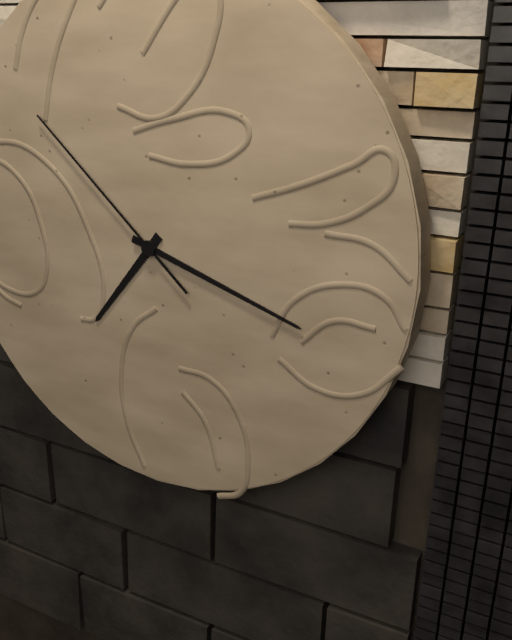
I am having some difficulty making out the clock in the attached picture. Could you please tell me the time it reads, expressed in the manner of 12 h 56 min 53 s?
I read 7 h 18 min 52 s
